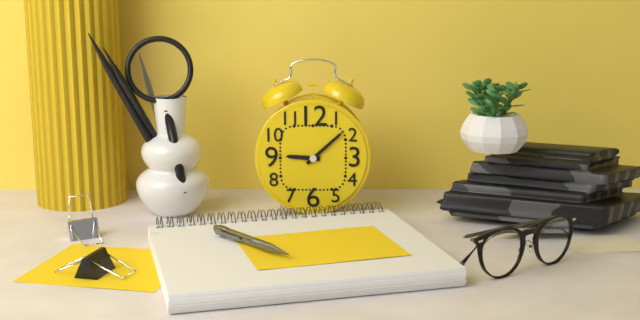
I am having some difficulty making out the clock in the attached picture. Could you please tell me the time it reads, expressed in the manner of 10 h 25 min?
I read 9 h 08 min
